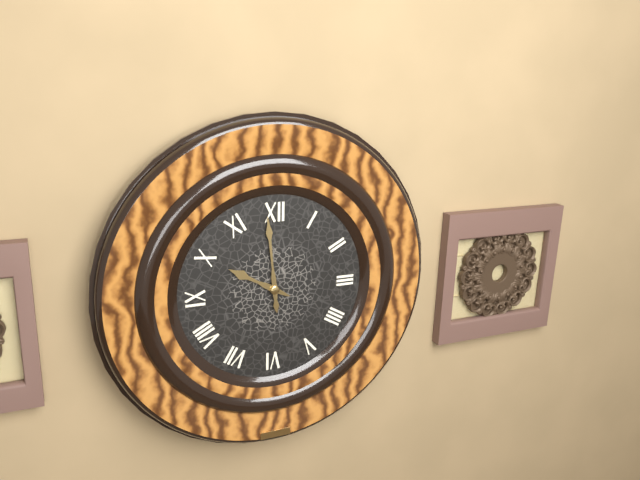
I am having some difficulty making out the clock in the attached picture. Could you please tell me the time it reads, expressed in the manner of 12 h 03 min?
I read 9 h 59 min
